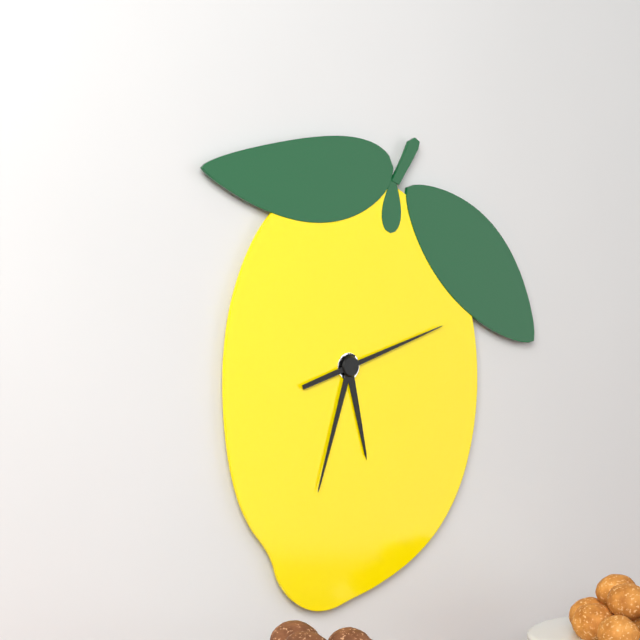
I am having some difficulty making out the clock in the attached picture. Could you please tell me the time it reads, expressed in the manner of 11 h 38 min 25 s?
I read 5 h 33 min 12 s
